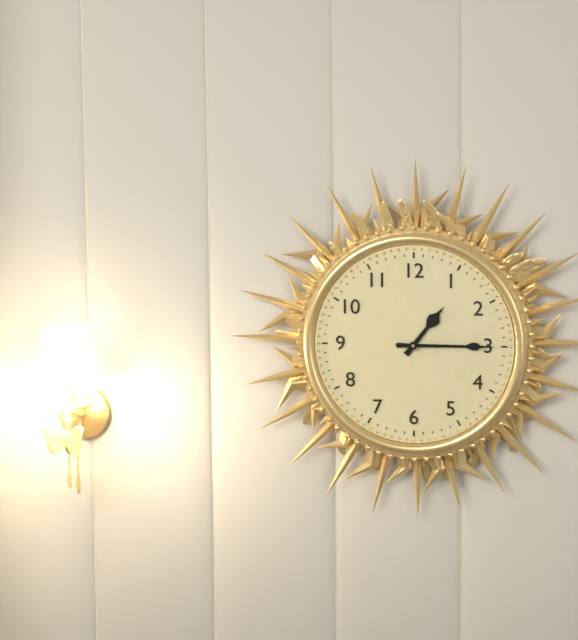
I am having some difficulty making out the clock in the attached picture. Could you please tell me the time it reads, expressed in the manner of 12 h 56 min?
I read 1 h 15 min
